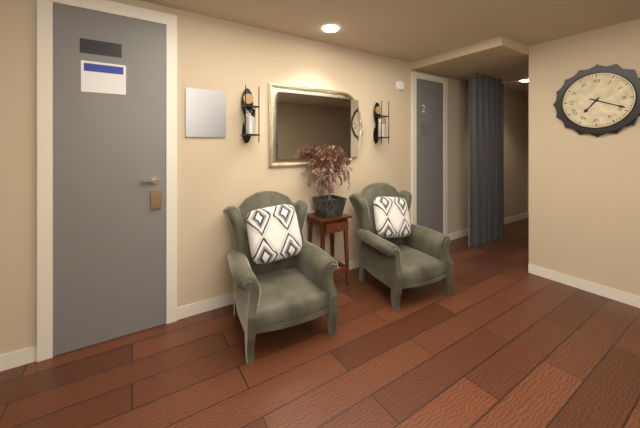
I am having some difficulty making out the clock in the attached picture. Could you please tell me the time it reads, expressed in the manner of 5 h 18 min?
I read 7 h 19 min
